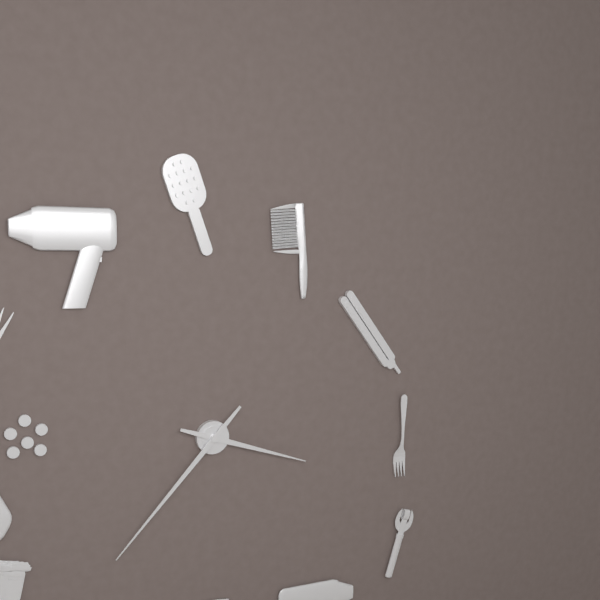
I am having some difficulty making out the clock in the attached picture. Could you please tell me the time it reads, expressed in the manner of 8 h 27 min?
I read 3 h 37 min
